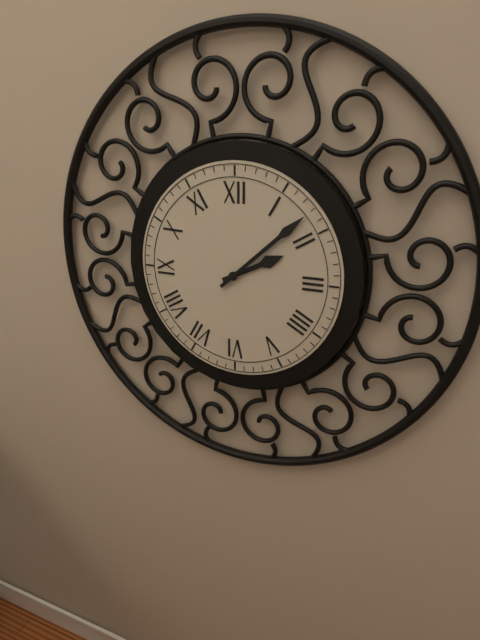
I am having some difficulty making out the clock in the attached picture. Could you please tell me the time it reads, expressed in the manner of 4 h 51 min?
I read 2 h 08 min
